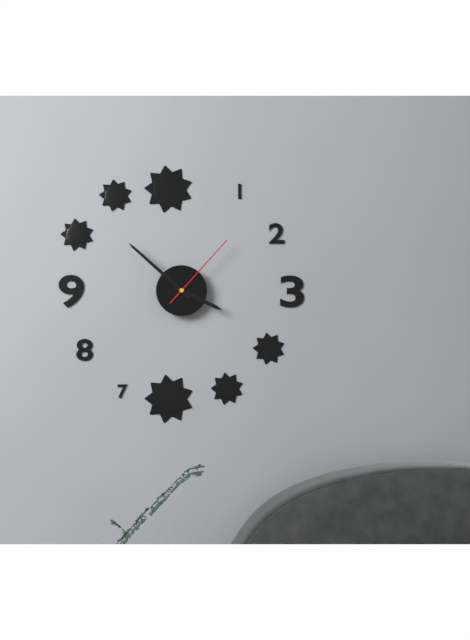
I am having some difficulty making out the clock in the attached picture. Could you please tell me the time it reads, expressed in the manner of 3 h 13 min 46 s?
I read 3 h 52 min 07 s
